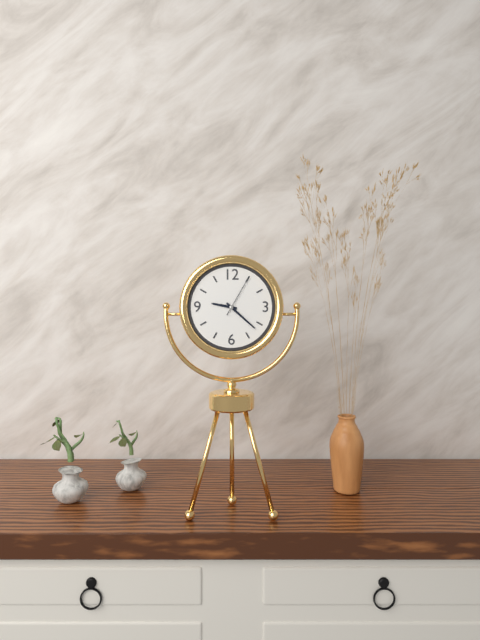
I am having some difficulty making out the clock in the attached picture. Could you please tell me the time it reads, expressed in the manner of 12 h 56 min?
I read 9 h 22 min
